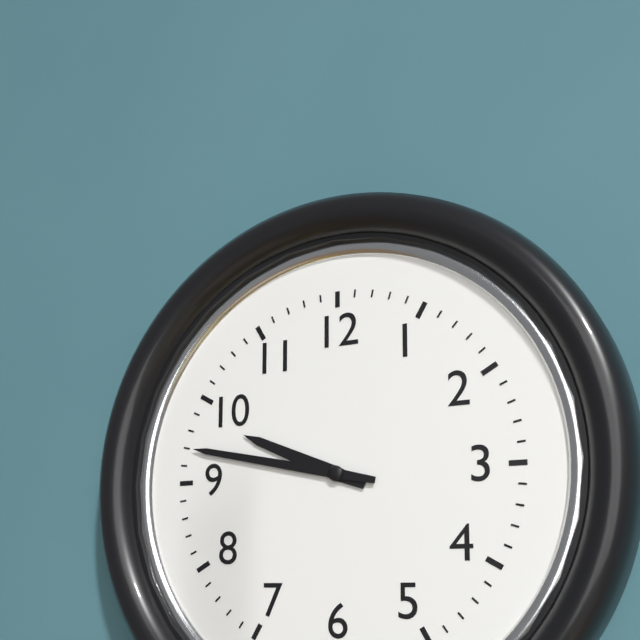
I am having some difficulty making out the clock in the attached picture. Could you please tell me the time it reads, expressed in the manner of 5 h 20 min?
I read 9 h 47 min
